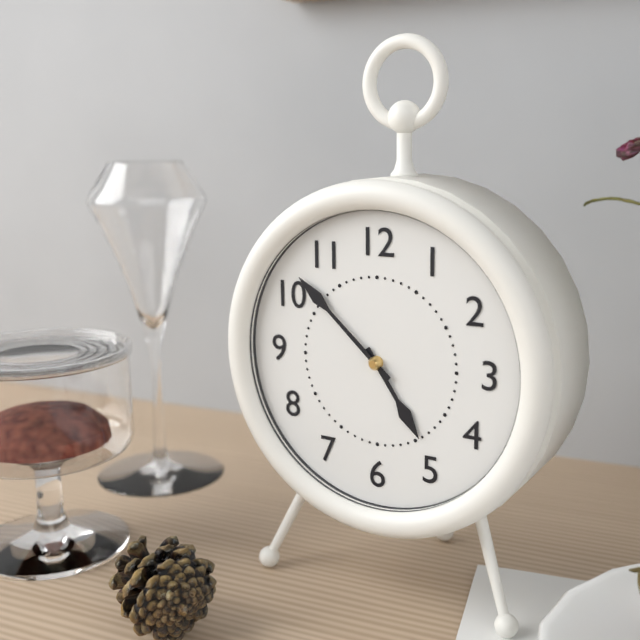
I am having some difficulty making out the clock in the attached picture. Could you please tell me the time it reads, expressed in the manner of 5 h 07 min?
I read 4 h 52 min
